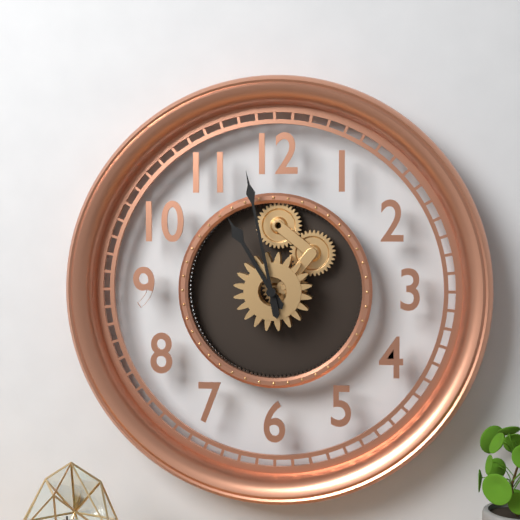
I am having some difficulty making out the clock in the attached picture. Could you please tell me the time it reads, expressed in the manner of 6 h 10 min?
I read 10 h 58 min
